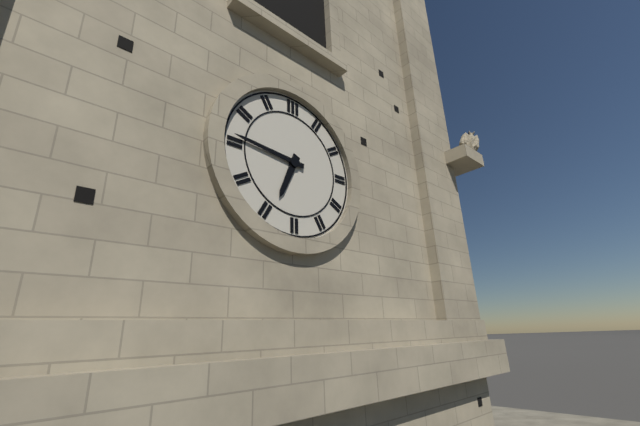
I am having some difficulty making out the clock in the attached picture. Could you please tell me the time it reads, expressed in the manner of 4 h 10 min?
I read 6 h 46 min
